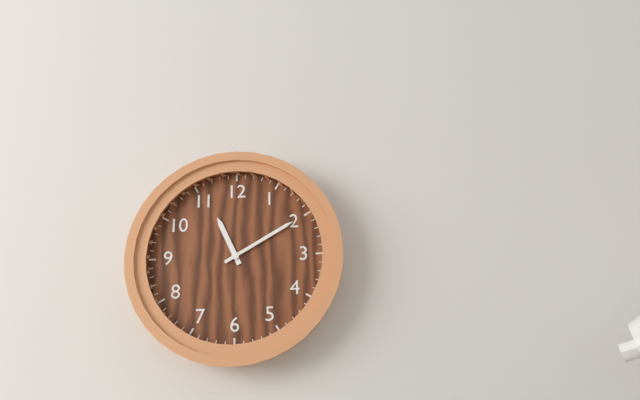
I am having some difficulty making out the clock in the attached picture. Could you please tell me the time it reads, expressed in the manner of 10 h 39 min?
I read 11 h 10 min
